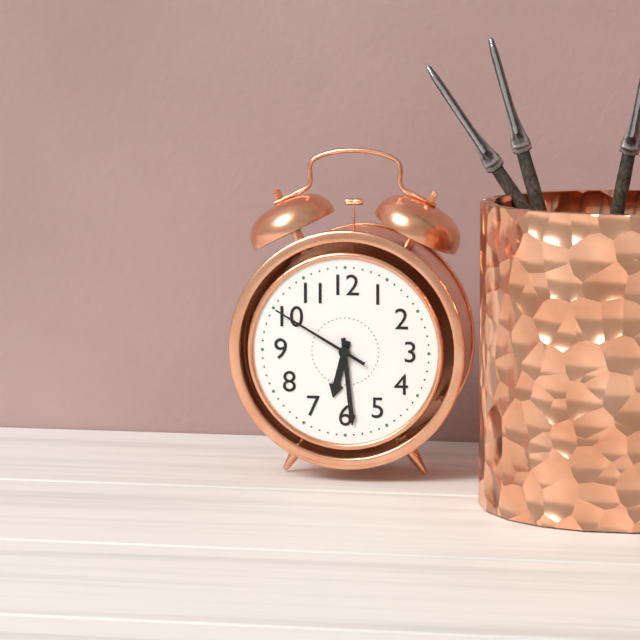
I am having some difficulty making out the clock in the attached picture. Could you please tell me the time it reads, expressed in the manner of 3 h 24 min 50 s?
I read 6 h 29 min 50 s
